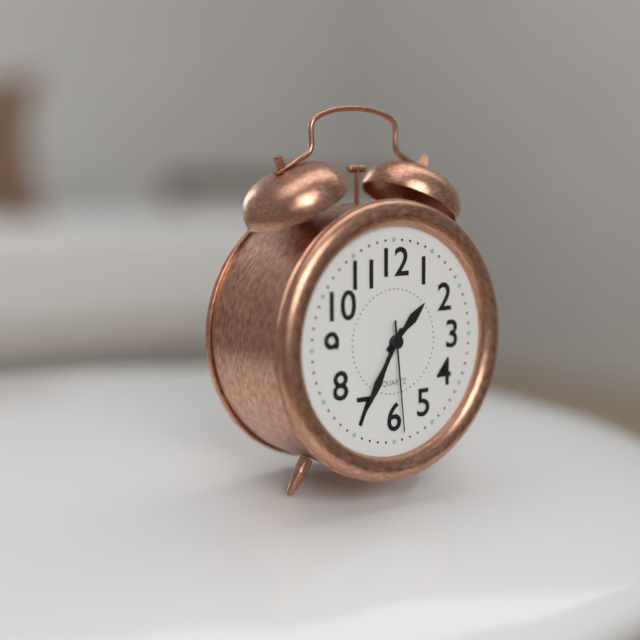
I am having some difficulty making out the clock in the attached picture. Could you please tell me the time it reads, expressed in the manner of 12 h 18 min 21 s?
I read 1 h 35 min 29 s
